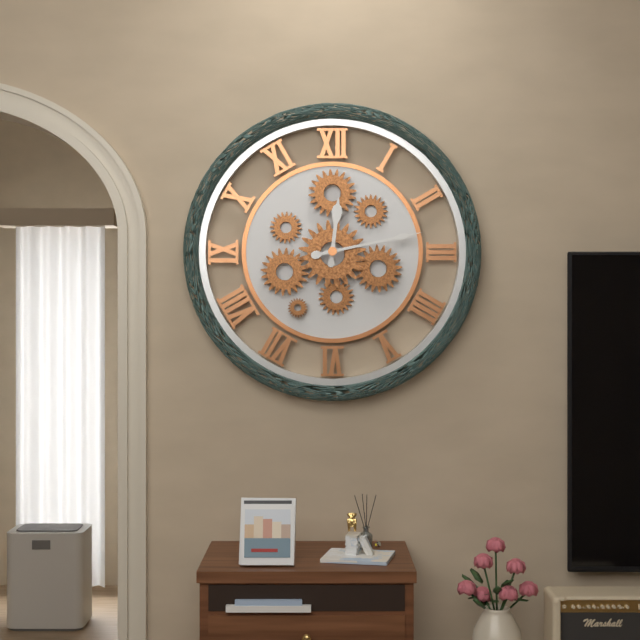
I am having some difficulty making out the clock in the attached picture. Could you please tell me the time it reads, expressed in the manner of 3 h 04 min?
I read 12 h 13 min
